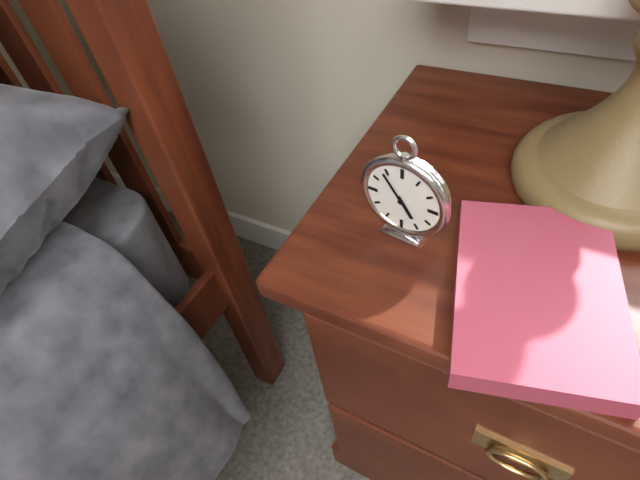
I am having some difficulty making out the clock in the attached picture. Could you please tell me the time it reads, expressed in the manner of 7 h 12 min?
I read 4 h 54 min
